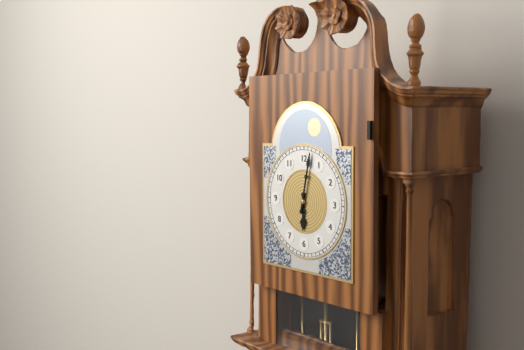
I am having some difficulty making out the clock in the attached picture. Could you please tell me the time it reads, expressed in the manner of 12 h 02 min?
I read 6 h 02 min
